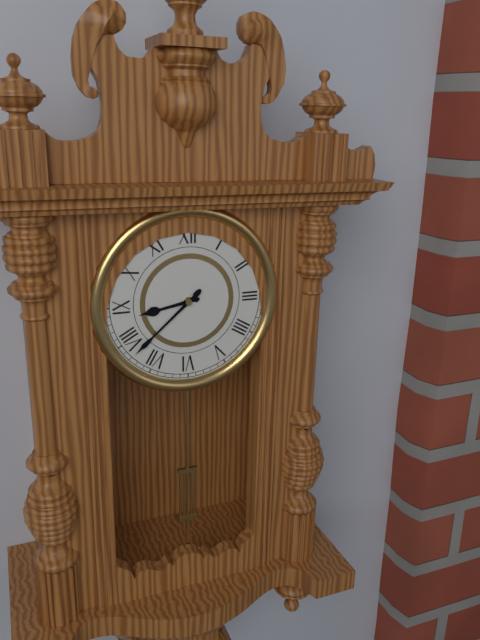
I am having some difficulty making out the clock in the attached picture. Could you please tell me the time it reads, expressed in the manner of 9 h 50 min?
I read 8 h 38 min
